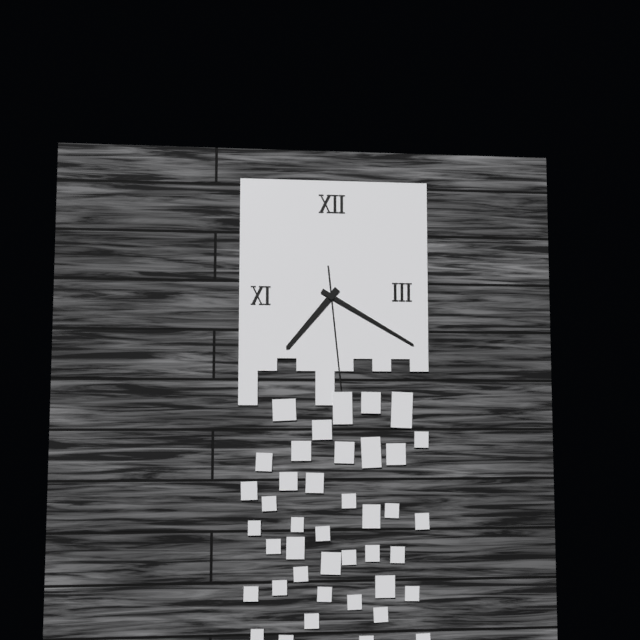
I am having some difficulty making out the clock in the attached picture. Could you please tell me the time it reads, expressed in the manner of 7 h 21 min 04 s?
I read 7 h 20 min 29 s
